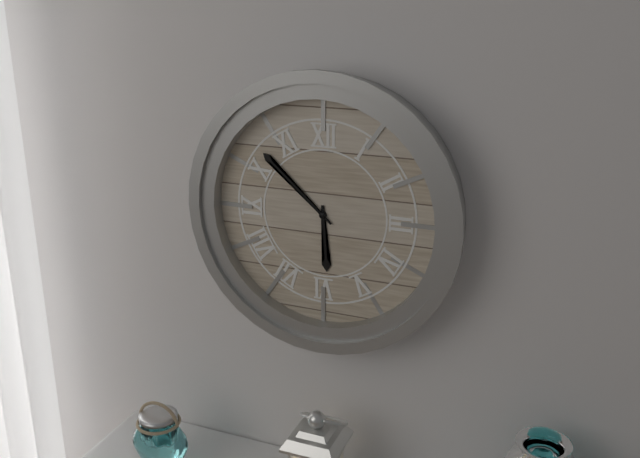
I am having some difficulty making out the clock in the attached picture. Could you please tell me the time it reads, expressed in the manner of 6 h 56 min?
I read 5 h 52 min
